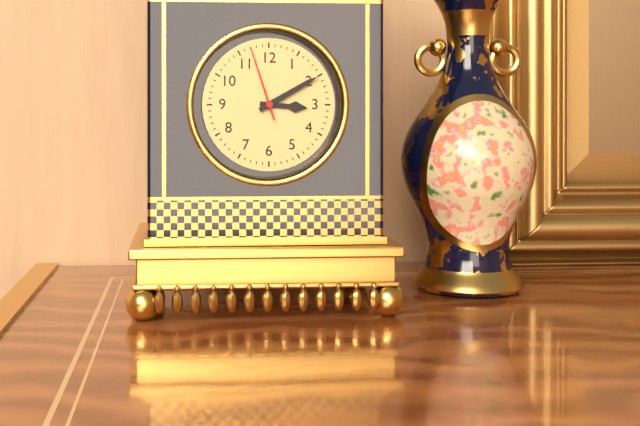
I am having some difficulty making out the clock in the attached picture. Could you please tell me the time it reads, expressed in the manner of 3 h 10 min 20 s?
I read 3 h 10 min 57 s
